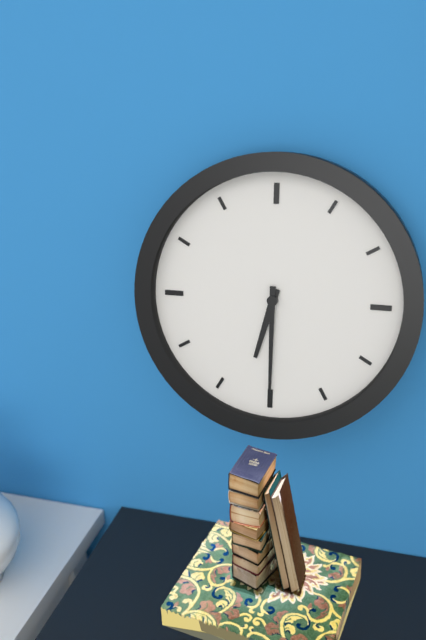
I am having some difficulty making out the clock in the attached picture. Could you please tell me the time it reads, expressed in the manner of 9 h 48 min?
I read 6 h 30 min
